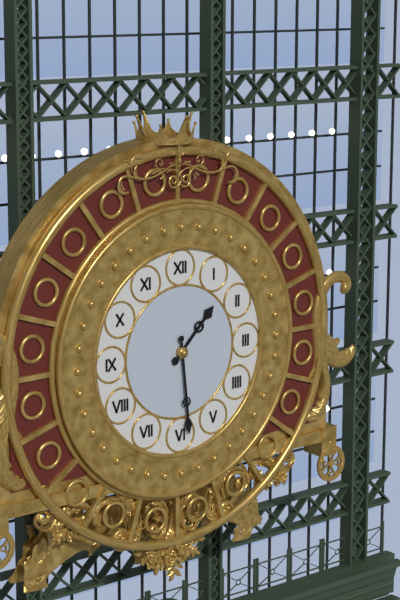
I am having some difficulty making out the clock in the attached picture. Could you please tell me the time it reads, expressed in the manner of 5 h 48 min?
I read 1 h 29 min
